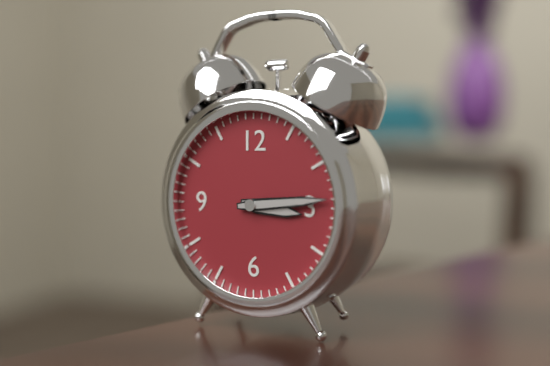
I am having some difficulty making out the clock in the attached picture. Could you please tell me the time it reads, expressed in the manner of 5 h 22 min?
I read 3 h 14 min
